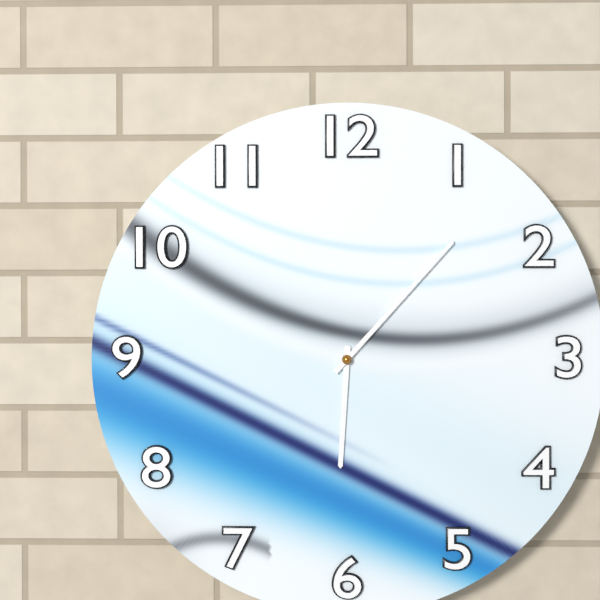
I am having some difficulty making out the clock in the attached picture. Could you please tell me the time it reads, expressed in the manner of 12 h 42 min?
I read 6 h 07 min
